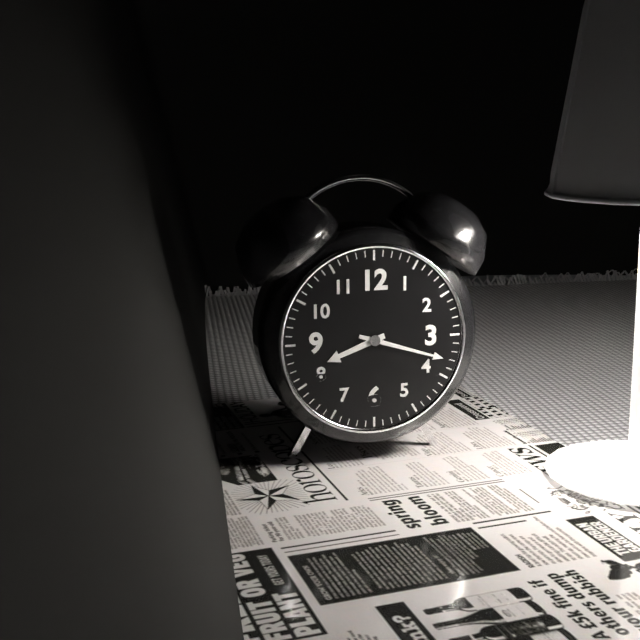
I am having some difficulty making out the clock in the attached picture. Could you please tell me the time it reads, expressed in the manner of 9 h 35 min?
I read 8 h 18 min
